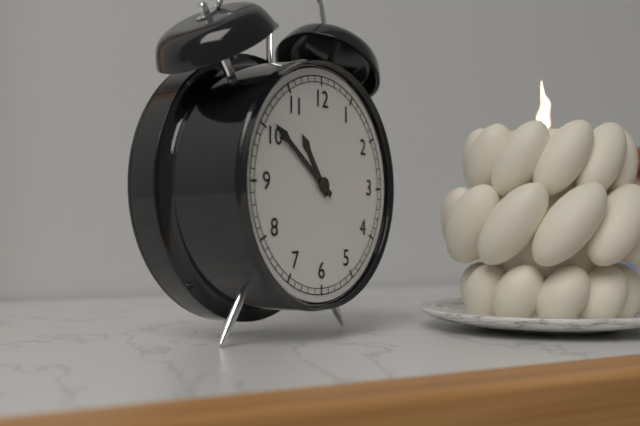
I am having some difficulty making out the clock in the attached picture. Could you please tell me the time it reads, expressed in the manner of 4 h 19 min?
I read 10 h 51 min
